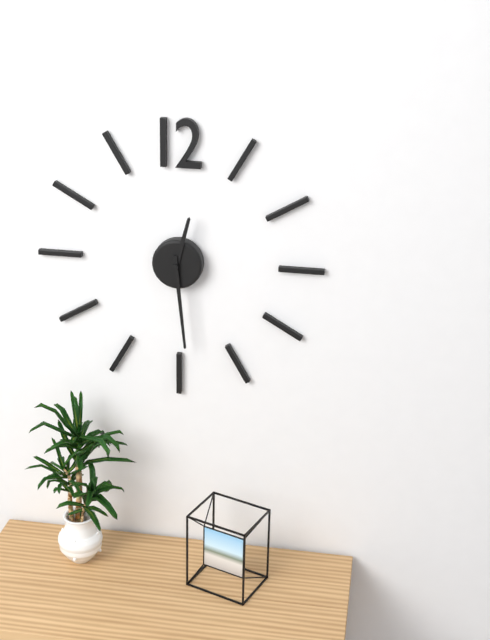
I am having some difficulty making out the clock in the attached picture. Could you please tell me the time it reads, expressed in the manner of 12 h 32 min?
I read 12 h 29 min
